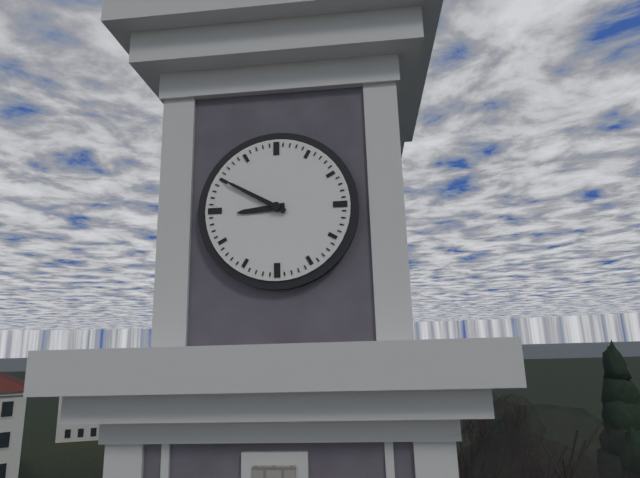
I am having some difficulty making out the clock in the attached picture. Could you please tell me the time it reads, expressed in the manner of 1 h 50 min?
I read 8 h 50 min
